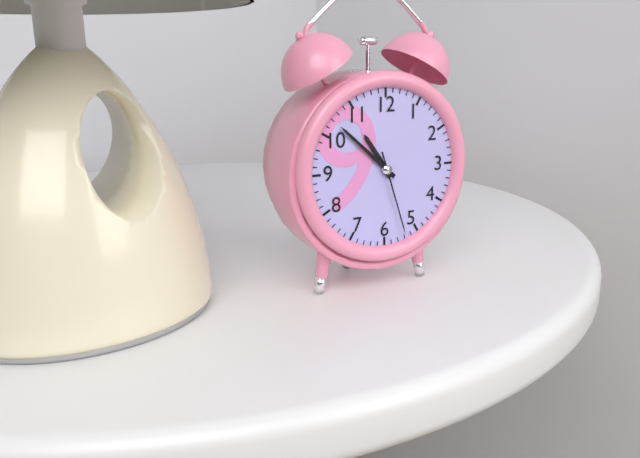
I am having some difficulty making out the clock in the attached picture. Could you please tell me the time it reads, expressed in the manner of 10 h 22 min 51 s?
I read 10 h 52 min 27 s
